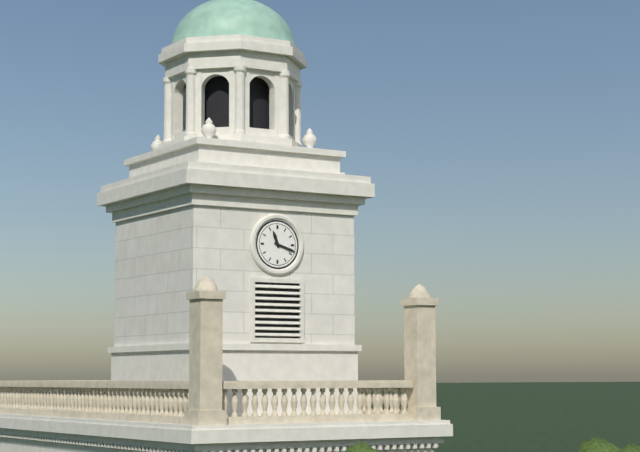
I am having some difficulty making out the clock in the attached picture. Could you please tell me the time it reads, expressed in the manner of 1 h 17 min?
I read 11 h 18 min
